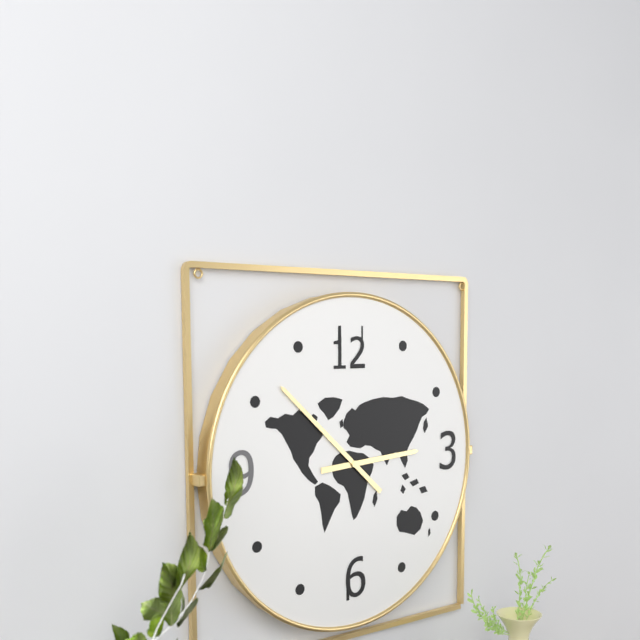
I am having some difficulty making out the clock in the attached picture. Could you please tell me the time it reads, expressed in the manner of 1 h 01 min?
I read 2 h 52 min
